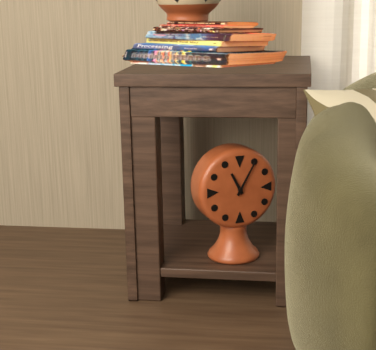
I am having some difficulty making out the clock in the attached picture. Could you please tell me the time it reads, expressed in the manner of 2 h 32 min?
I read 11 h 05 min
